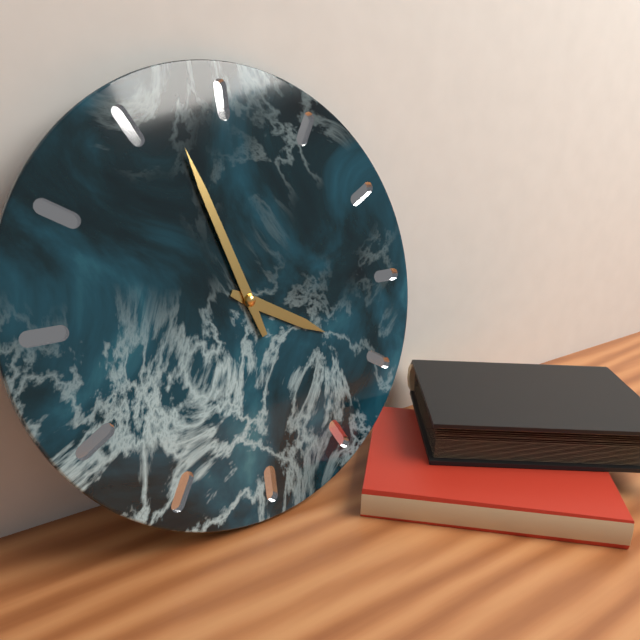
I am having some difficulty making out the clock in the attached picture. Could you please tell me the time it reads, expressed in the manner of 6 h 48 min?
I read 3 h 57 min
